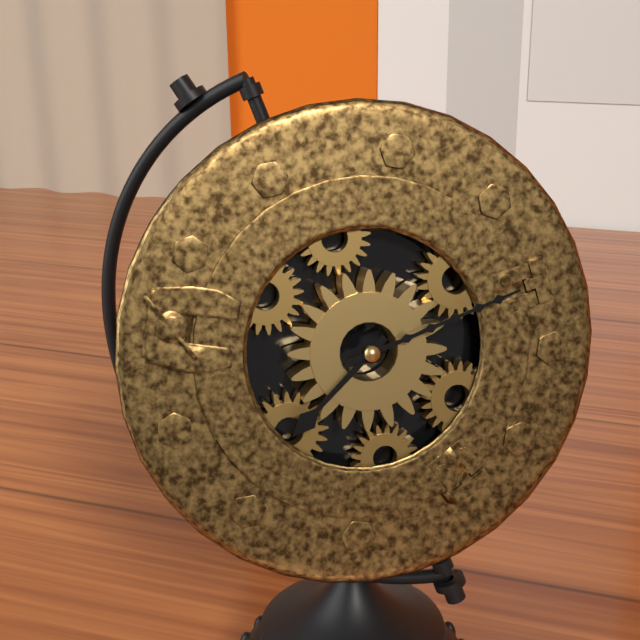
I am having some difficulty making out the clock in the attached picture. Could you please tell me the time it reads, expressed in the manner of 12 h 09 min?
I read 7 h 10 min
